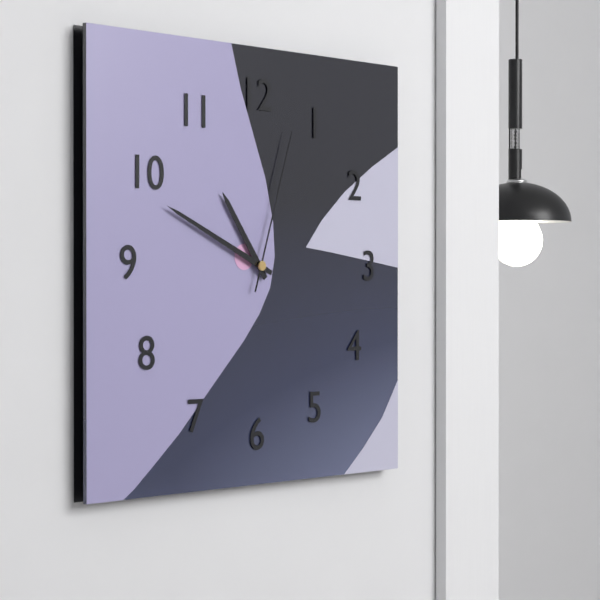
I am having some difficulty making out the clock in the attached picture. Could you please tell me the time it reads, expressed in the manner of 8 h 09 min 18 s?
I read 10 h 49 min 03 s
